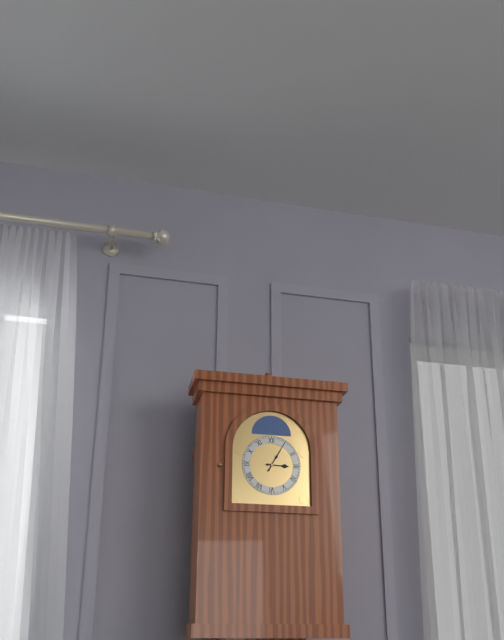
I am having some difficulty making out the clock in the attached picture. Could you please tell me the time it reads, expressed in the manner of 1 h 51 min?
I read 3 h 05 min
